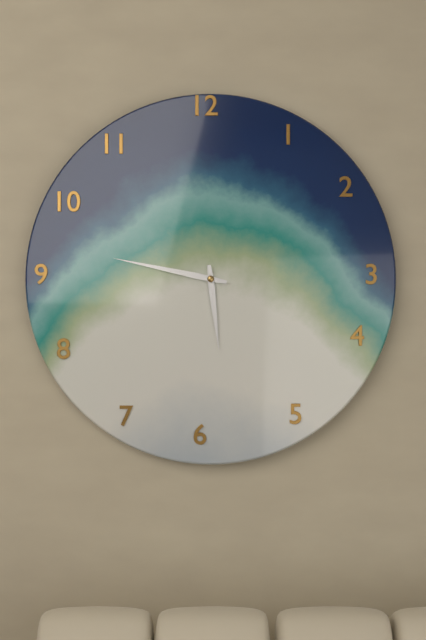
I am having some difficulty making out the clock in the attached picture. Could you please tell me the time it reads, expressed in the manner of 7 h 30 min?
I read 5 h 47 min
